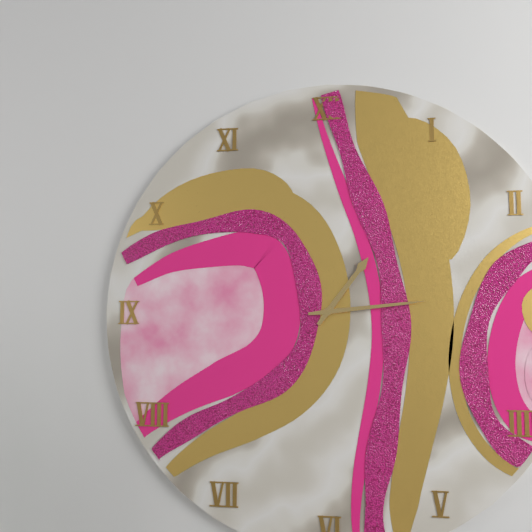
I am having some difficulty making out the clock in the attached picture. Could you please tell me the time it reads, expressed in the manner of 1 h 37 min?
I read 1 h 14 min
